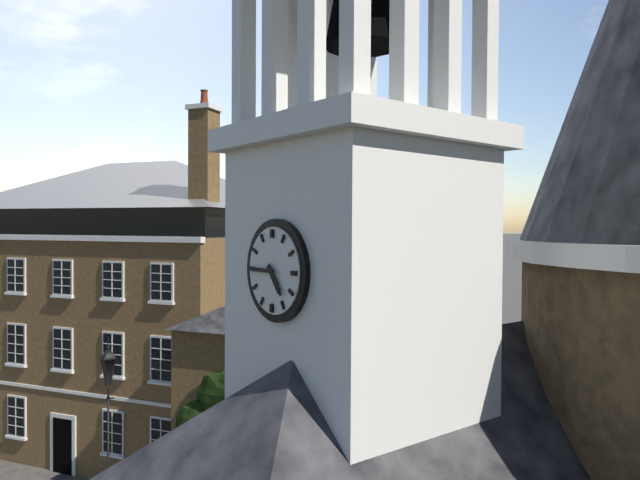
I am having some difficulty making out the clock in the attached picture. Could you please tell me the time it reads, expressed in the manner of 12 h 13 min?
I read 4 h 45 min
